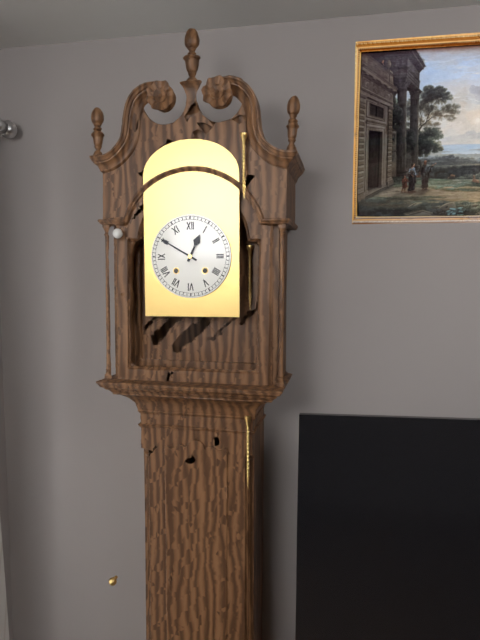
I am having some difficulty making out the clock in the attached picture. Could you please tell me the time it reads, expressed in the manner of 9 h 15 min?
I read 12 h 50 min
